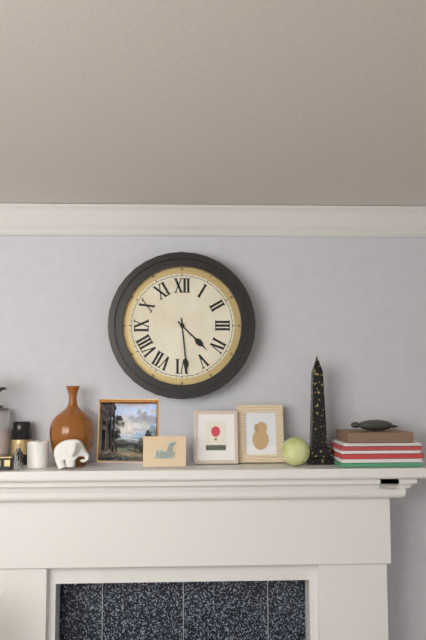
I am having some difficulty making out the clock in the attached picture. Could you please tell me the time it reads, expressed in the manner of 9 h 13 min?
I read 4 h 29 min
